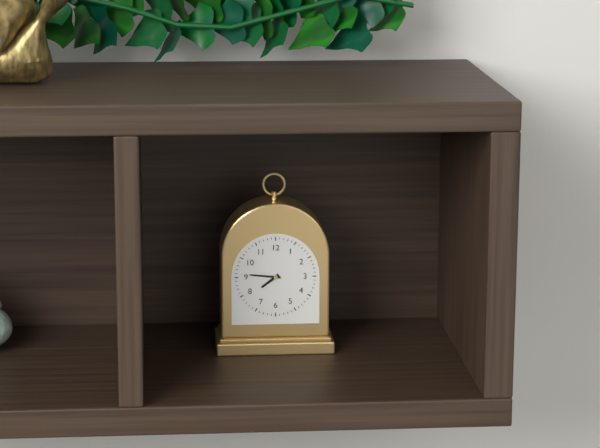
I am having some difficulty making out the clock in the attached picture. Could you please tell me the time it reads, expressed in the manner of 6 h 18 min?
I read 7 h 46 min
